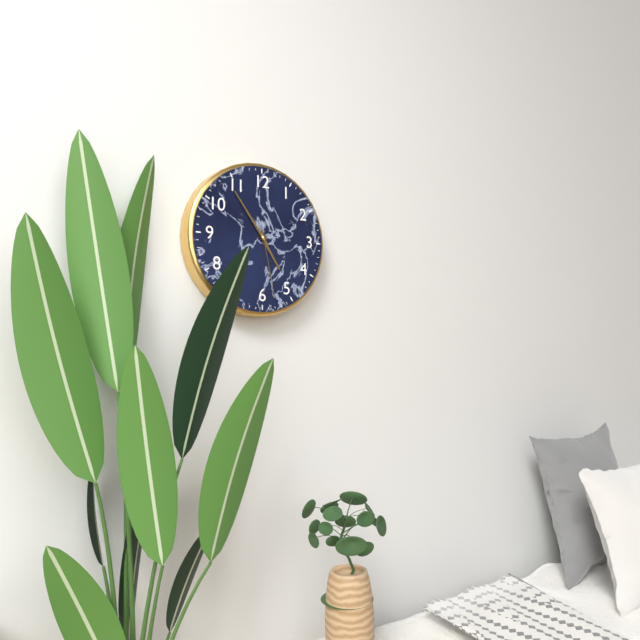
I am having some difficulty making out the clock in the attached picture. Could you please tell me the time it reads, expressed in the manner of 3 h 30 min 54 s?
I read 4 h 54 min 28 s
